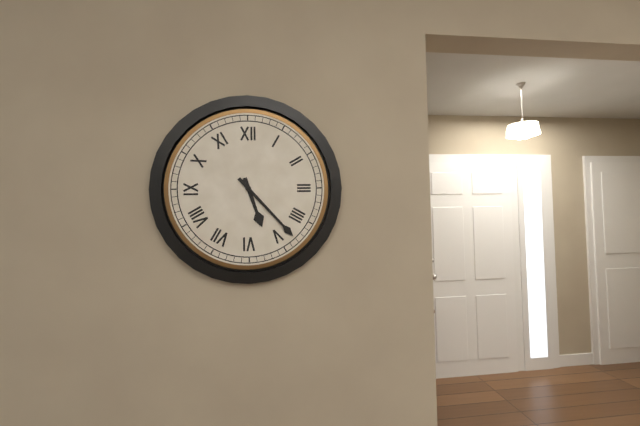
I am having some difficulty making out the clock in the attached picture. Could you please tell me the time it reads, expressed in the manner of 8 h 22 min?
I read 5 h 23 min
